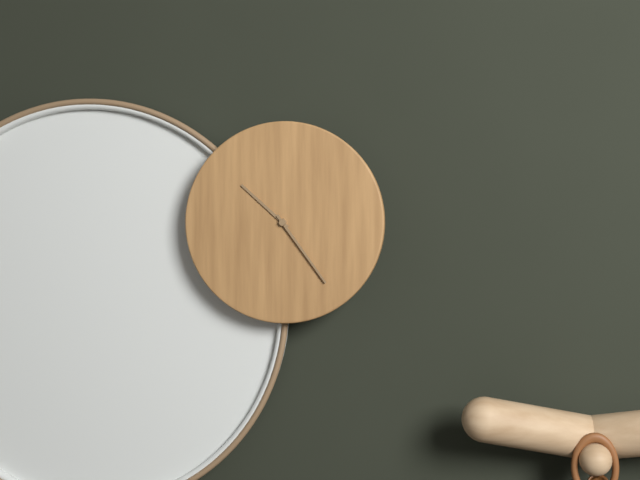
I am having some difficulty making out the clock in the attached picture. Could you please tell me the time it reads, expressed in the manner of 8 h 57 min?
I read 10 h 24 min
